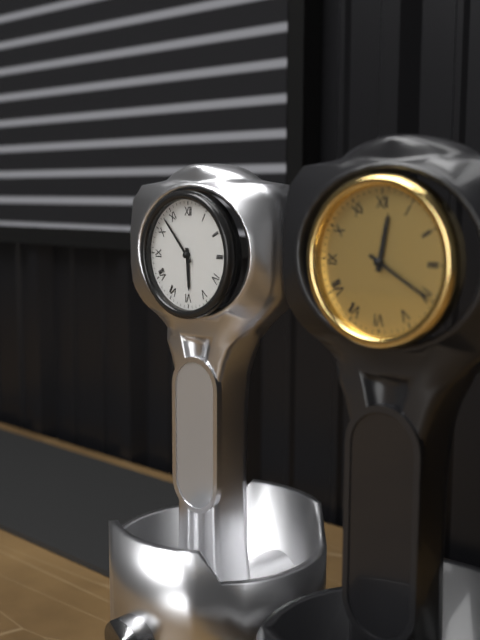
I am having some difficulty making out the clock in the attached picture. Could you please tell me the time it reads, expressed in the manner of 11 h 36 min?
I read 5 h 53 min
